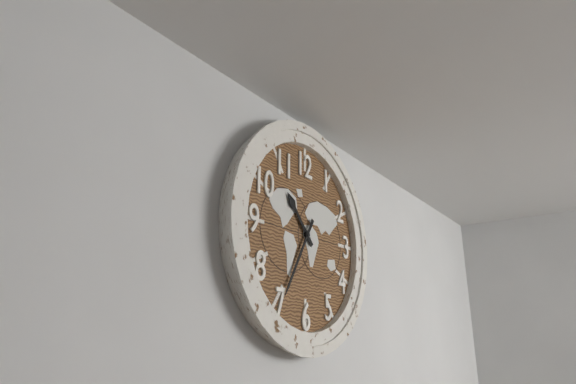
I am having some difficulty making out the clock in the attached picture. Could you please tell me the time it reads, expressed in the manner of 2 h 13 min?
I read 10 h 35 min
